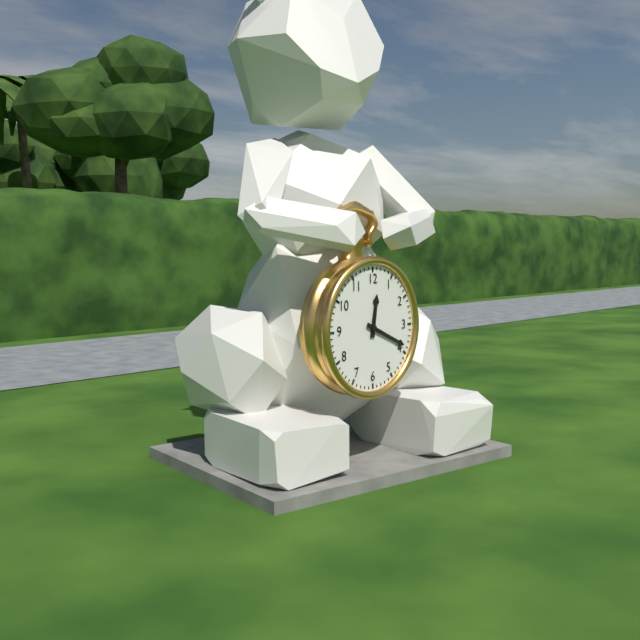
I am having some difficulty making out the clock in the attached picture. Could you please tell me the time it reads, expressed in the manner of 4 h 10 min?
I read 12 h 19 min
